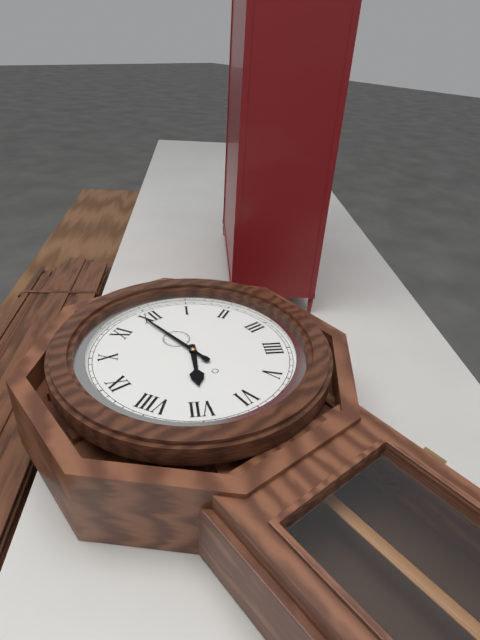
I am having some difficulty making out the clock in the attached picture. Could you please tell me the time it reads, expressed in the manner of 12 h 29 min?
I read 6 h 59 min
